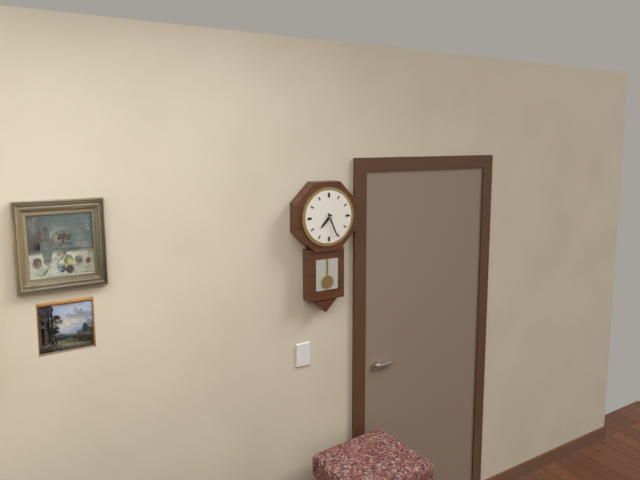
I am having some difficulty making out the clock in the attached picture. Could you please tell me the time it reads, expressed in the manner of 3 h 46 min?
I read 7 h 26 min
